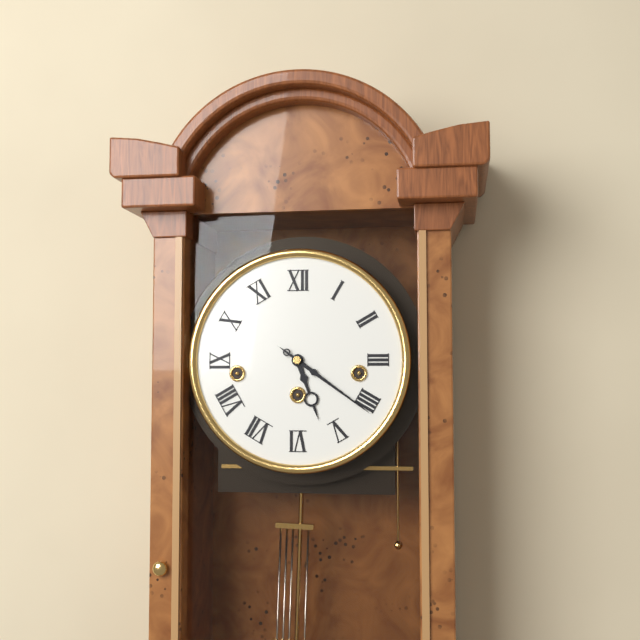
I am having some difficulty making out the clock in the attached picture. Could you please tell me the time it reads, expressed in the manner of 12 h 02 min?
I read 5 h 21 min
